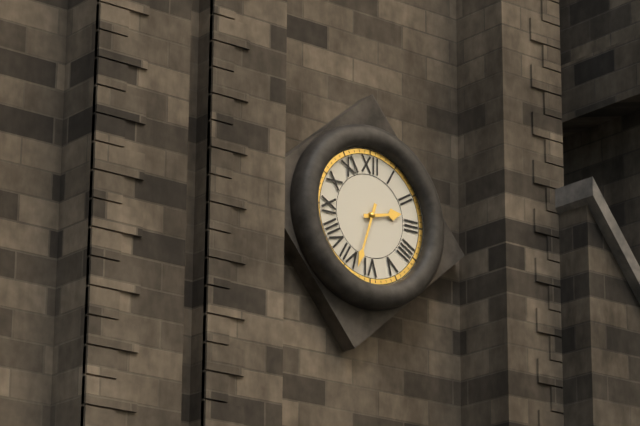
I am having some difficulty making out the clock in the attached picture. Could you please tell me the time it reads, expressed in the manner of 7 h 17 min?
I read 2 h 33 min
